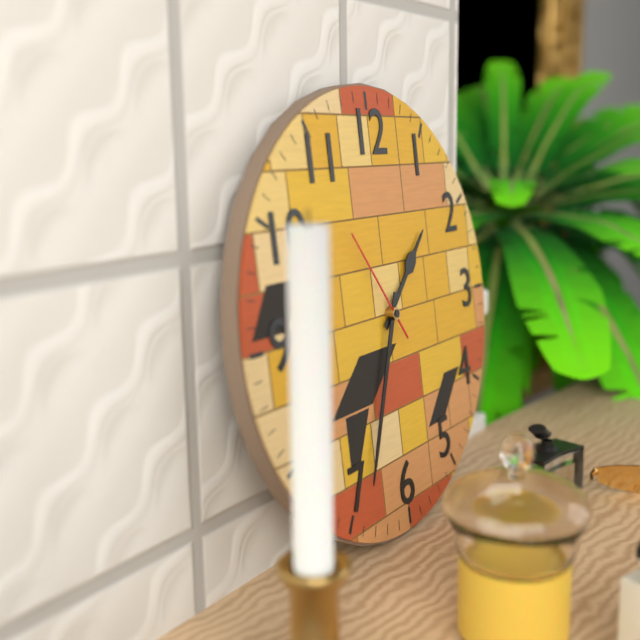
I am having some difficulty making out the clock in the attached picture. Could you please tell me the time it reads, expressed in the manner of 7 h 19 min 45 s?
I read 1 h 34 min 54 s
